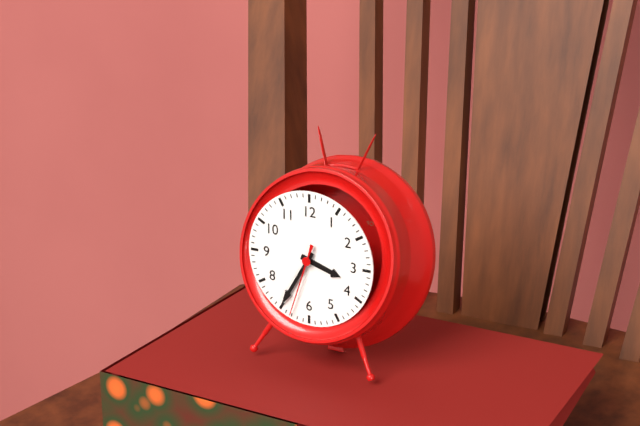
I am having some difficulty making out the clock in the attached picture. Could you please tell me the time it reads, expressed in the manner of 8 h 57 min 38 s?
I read 3 h 35 min 33 s
